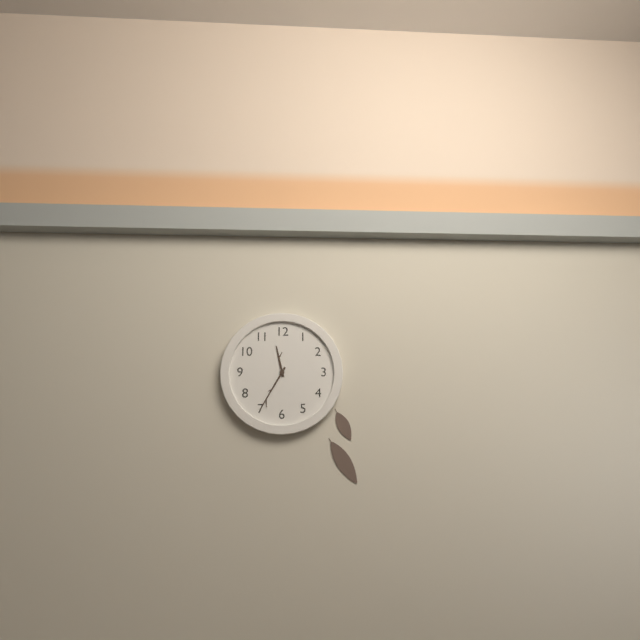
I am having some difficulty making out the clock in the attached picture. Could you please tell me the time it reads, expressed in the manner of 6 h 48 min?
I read 11 h 35 min
